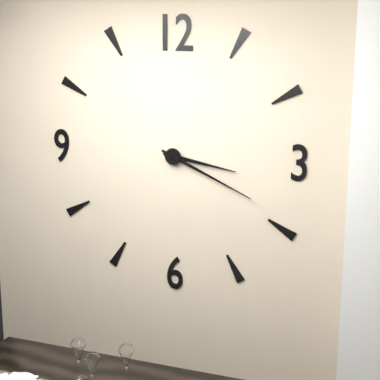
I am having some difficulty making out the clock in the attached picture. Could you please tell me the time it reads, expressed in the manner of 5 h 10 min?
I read 3 h 19 min
